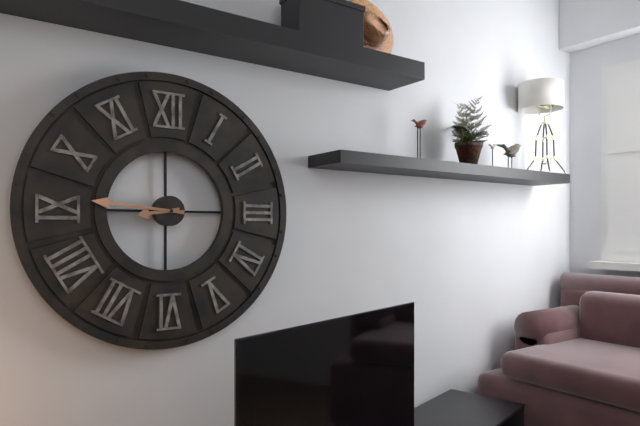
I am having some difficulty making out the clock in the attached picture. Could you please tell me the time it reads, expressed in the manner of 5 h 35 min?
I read 8 h 46 min
